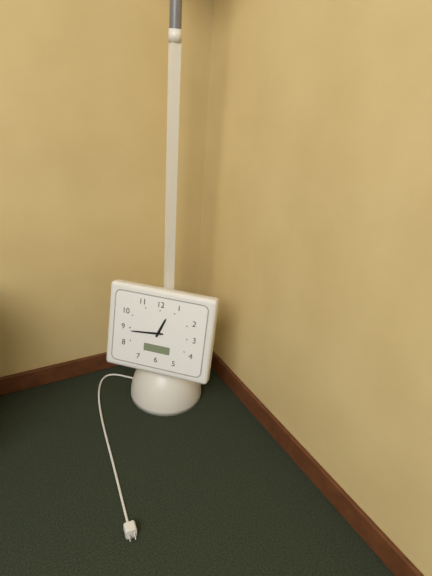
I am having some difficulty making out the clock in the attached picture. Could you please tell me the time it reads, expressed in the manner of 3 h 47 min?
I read 12 h 44 min
